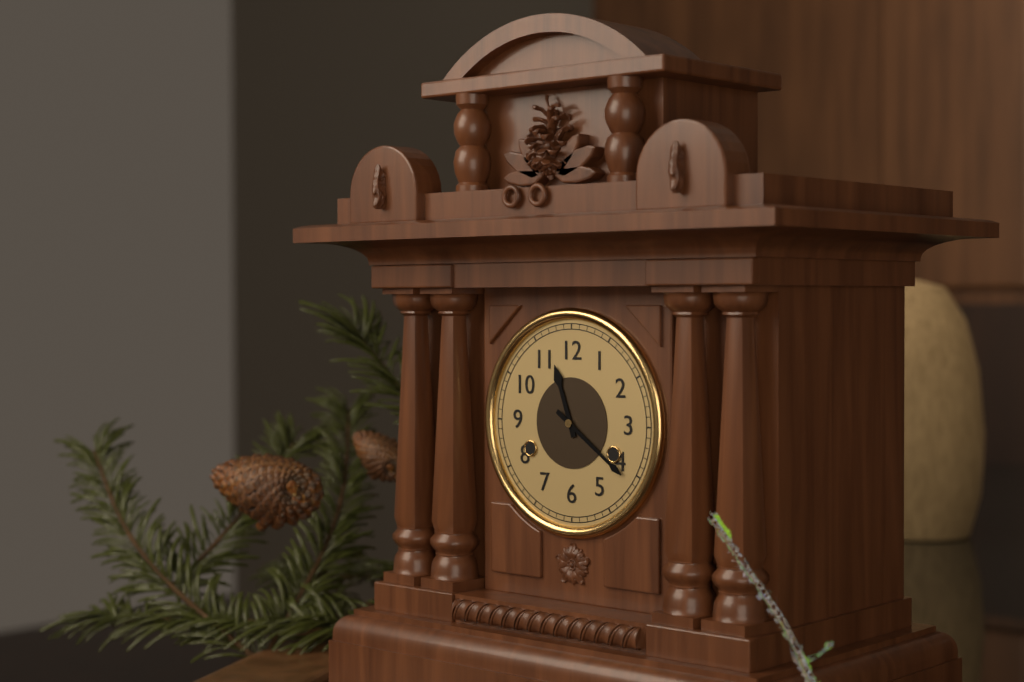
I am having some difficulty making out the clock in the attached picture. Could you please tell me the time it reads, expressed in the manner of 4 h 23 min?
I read 11 h 21 min
